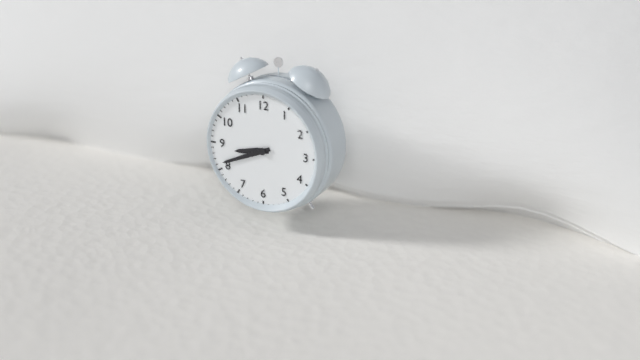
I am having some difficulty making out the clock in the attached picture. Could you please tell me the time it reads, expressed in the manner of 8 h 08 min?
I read 8 h 41 min
